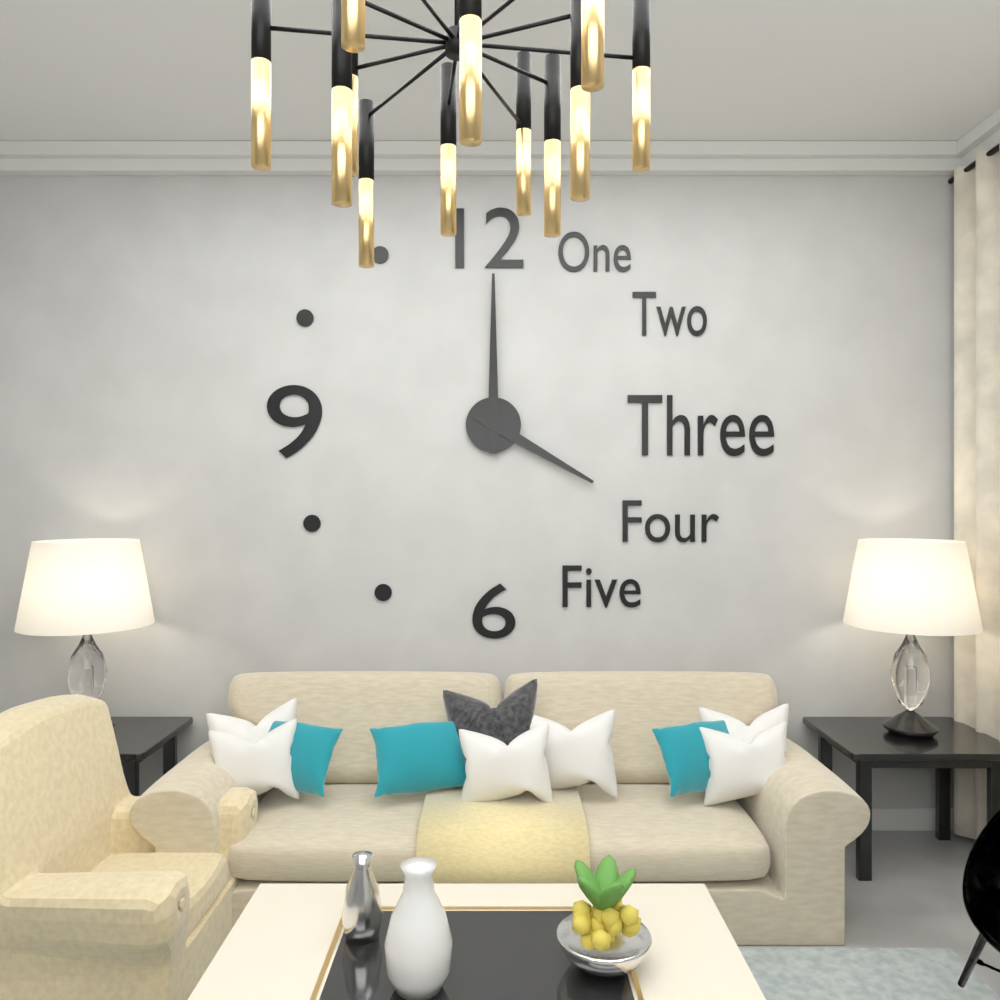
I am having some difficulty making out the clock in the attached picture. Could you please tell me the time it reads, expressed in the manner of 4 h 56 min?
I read 4 h 00 min
